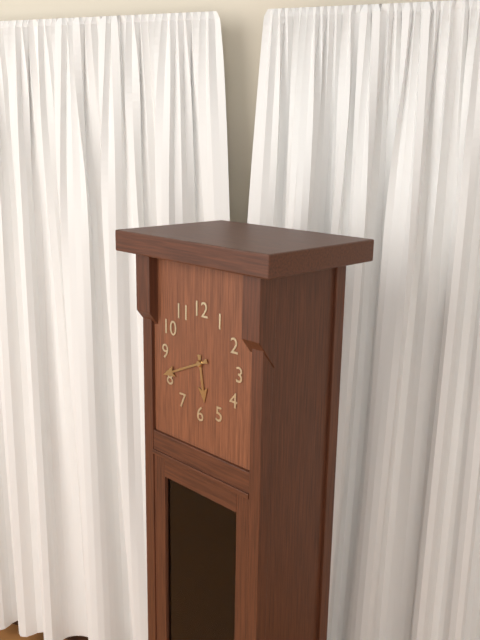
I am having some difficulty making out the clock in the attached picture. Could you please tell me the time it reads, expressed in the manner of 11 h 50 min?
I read 5 h 41 min
